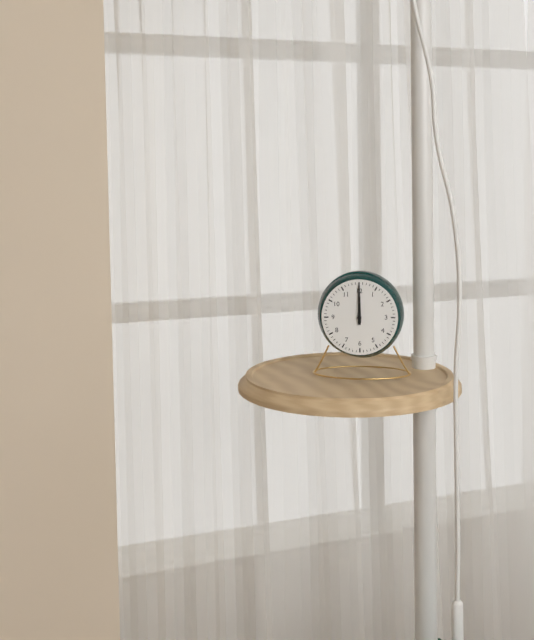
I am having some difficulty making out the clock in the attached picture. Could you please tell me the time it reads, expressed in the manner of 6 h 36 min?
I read 12 h 00 min
